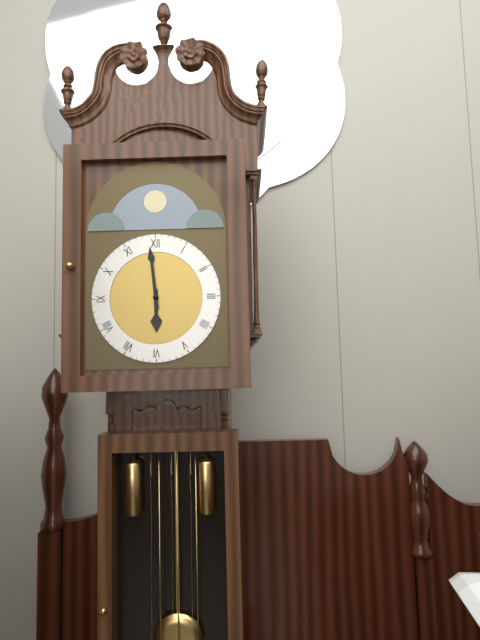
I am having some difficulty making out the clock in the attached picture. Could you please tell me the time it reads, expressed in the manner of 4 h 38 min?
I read 5 h 59 min
